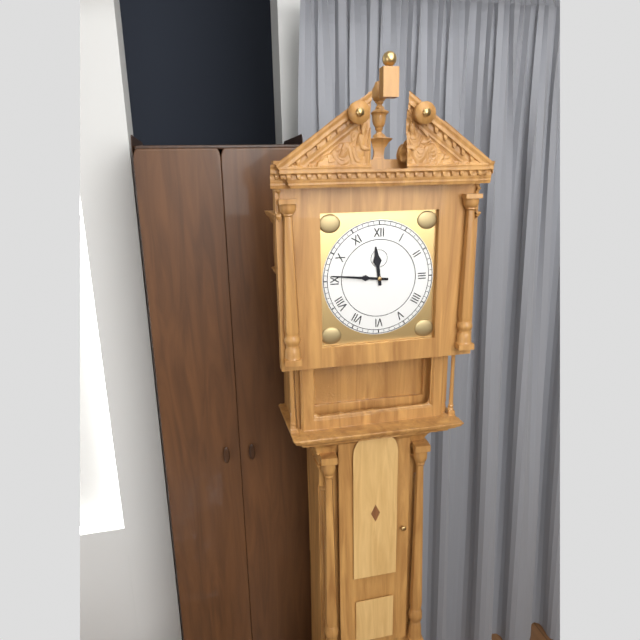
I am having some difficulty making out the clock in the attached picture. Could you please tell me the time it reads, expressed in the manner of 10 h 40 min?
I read 11 h 46 min
